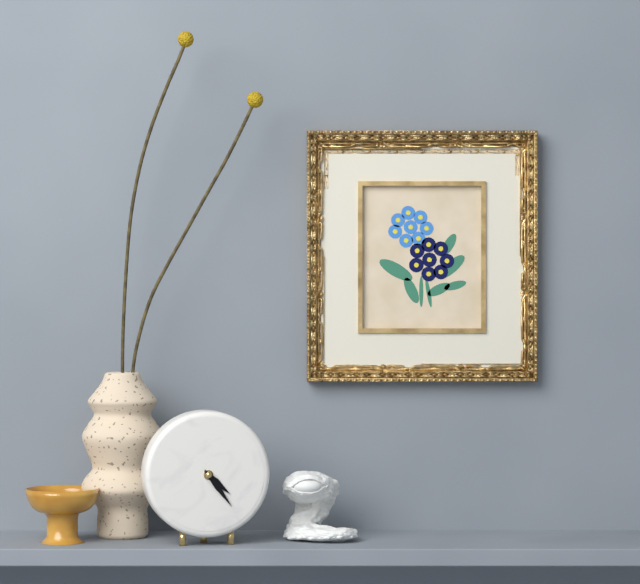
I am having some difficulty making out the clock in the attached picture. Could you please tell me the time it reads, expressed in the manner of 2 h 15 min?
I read 4 h 24 min
